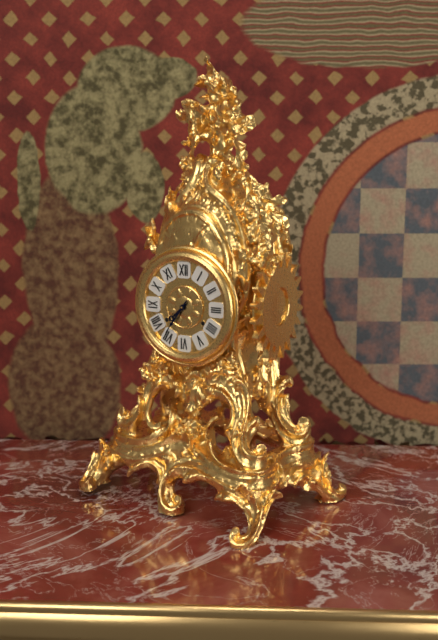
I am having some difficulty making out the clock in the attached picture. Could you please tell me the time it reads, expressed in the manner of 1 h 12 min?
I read 7 h 36 min
